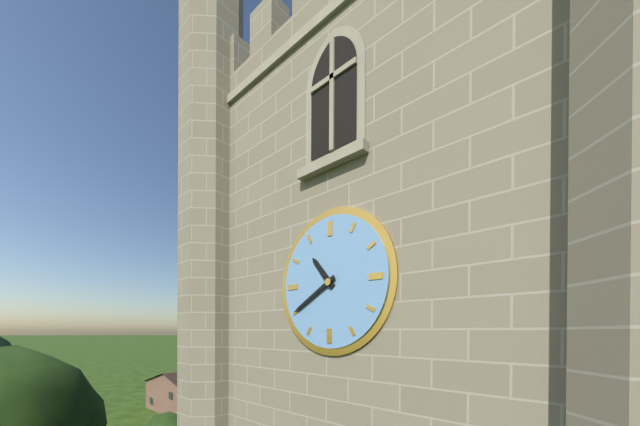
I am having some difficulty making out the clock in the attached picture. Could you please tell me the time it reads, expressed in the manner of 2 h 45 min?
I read 10 h 40 min
